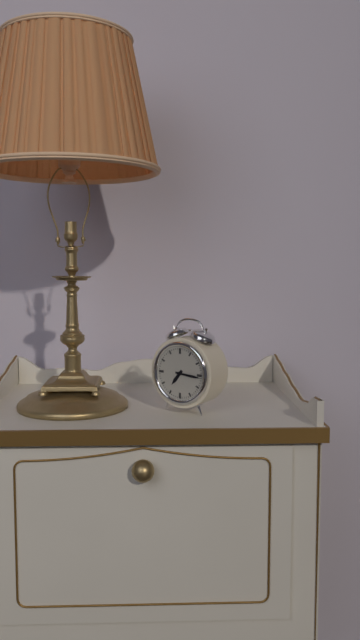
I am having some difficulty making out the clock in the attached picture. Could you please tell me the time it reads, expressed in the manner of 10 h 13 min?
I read 7 h 16 min
